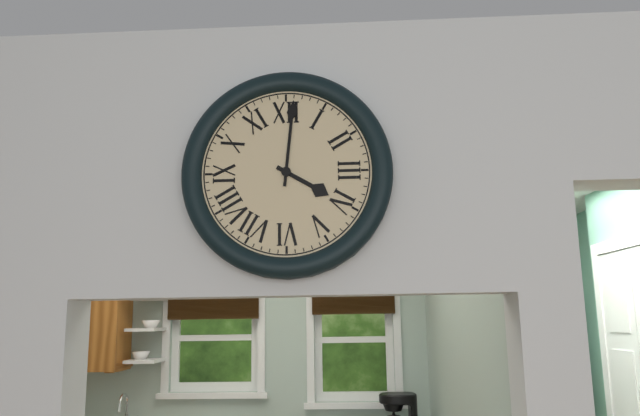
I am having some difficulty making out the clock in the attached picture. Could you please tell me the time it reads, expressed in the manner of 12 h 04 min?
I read 4 h 01 min
